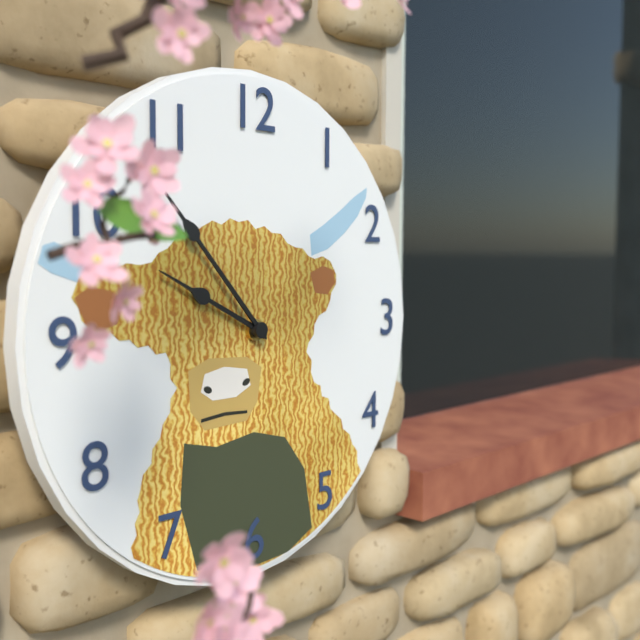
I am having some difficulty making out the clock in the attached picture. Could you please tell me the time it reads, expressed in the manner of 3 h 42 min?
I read 9 h 53 min
